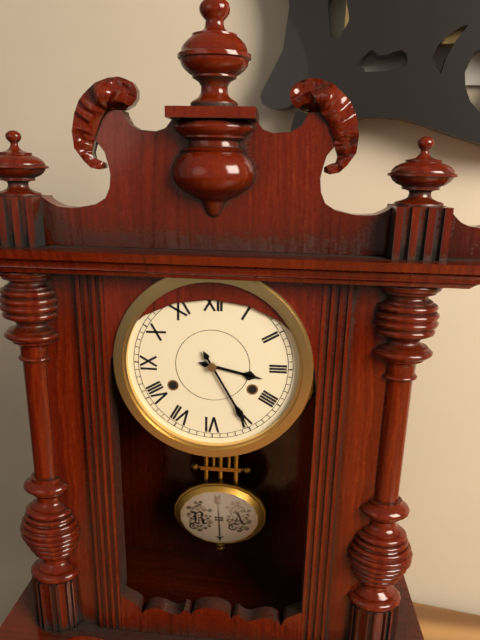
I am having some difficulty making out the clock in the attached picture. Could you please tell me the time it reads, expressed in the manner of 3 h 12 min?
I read 3 h 25 min
